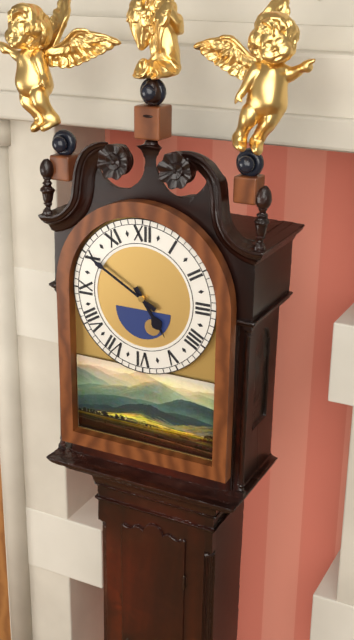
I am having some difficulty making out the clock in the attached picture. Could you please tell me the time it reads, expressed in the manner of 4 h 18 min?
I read 4 h 50 min
